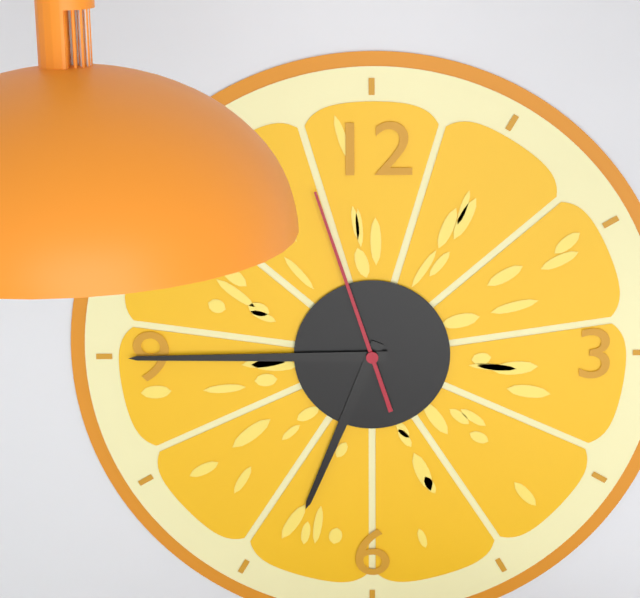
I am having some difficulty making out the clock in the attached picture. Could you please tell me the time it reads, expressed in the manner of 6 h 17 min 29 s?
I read 6 h 45 min 57 s
